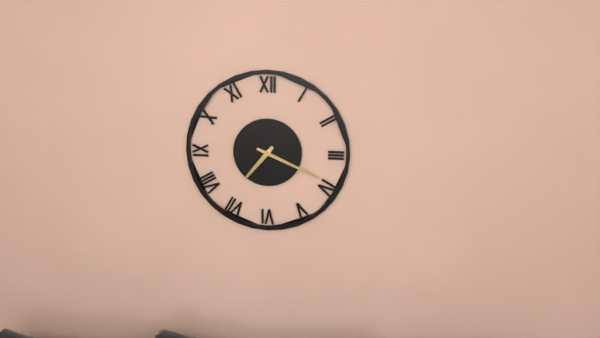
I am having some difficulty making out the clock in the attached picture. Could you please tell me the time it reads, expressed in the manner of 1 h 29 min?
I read 7 h 19 min
